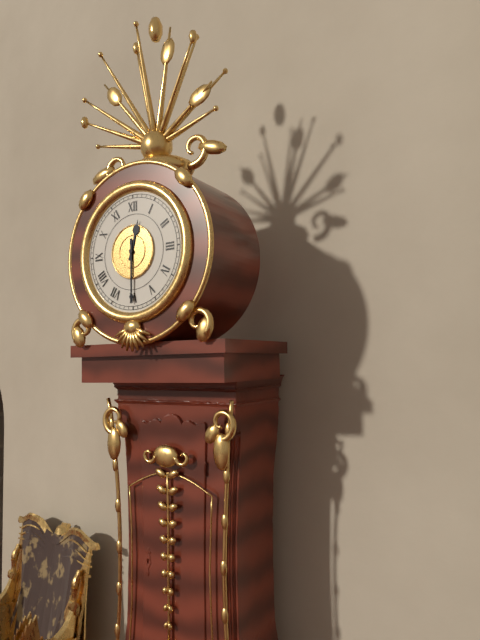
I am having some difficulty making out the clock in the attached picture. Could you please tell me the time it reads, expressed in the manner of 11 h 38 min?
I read 12 h 30 min
